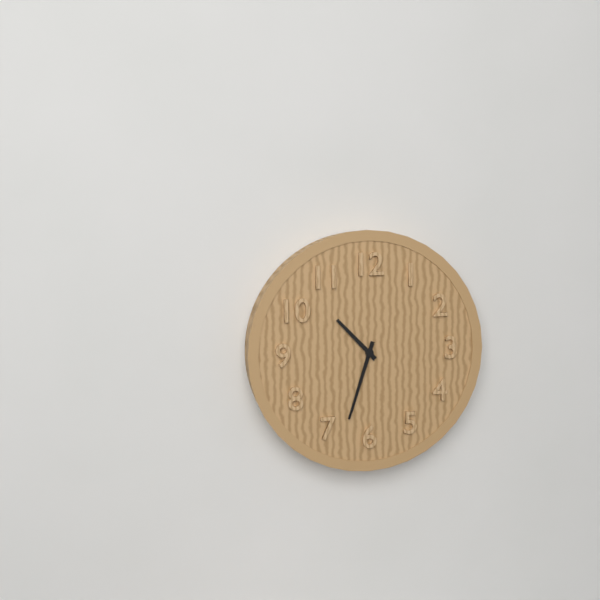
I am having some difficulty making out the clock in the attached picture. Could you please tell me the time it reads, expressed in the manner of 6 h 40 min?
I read 10 h 33 min
